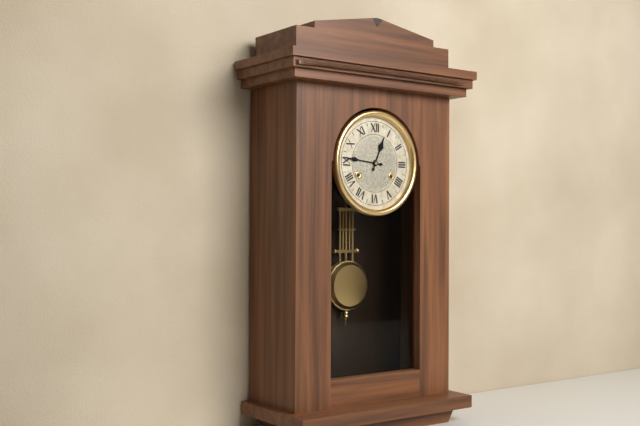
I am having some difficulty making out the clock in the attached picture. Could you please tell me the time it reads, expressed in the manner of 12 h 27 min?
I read 12 h 46 min
